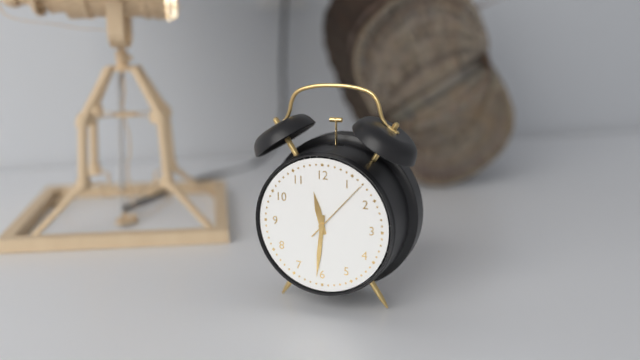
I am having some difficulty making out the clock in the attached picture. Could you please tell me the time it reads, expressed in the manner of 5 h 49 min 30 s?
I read 11 h 31 min 07 s
